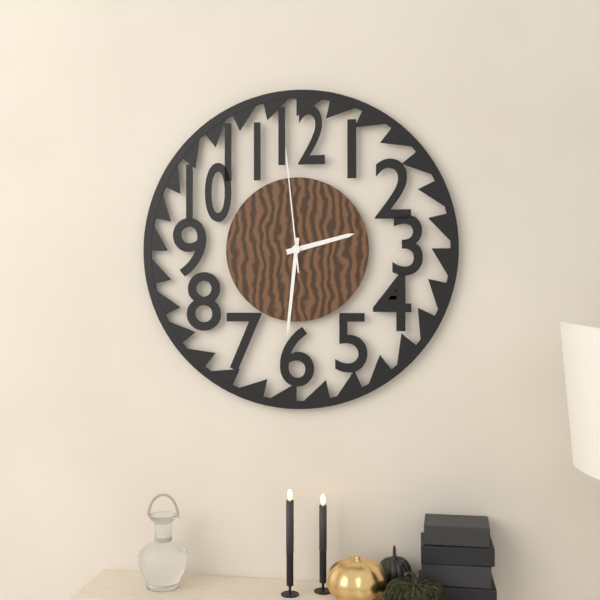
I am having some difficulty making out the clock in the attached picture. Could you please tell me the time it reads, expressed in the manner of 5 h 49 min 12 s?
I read 2 h 31 min 59 s
